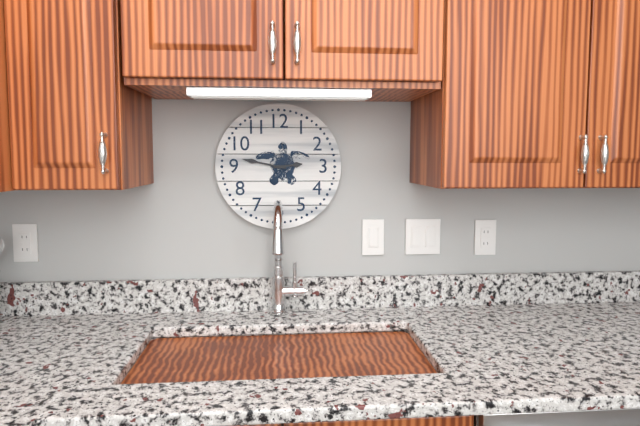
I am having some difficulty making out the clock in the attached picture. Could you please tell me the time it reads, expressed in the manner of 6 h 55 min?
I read 2 h 47 min
